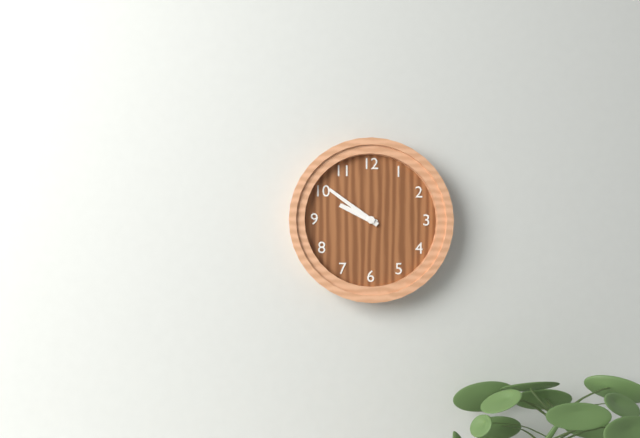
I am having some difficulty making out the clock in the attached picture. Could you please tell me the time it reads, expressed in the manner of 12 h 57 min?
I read 9 h 51 min
